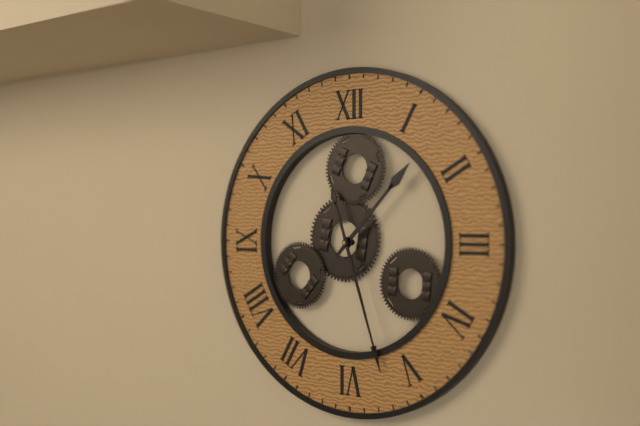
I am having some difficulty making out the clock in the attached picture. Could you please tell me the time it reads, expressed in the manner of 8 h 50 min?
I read 1 h 27 min
